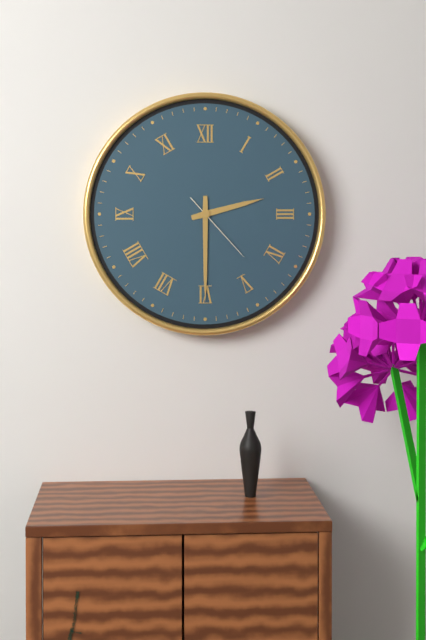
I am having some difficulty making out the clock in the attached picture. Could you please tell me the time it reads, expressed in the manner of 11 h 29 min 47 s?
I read 2 h 30 min 23 s
